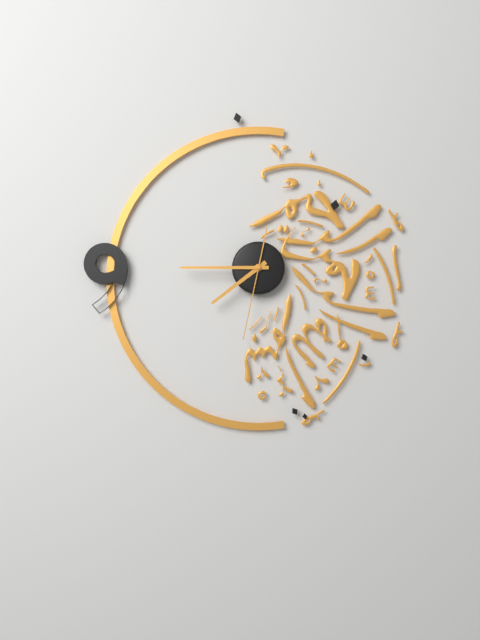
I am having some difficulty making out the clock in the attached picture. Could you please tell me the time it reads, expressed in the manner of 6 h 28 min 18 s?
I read 7 h 45 min 32 s
